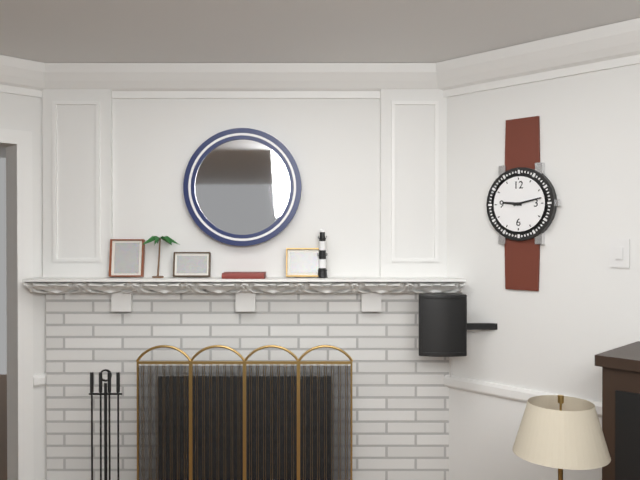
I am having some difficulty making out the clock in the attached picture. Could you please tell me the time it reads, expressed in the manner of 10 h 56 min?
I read 9 h 13 min
